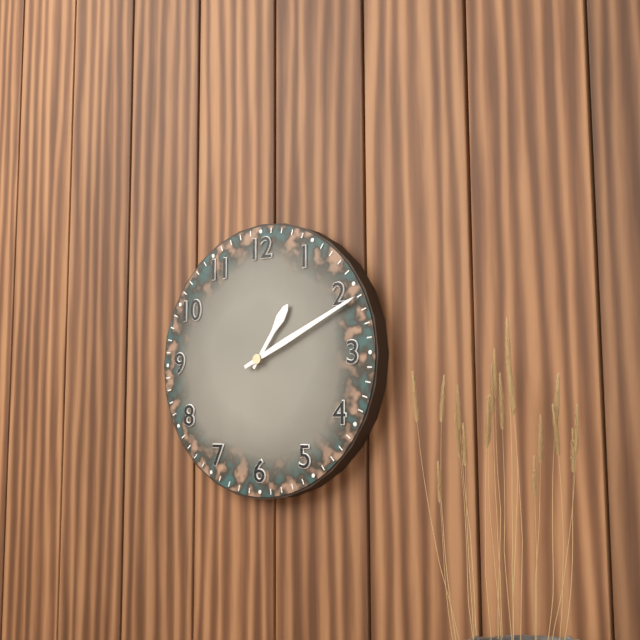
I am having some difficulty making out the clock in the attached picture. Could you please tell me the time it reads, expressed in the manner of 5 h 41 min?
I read 1 h 11 min
